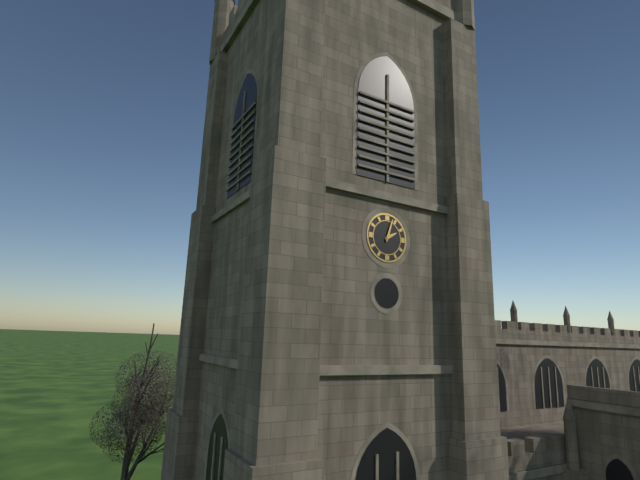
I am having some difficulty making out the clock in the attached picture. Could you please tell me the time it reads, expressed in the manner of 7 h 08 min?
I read 2 h 03 min
